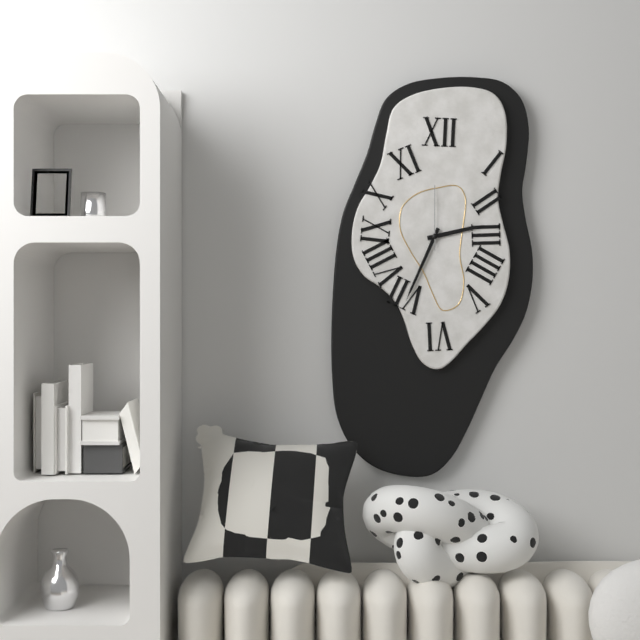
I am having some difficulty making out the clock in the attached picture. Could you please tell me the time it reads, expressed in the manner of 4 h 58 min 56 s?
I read 2 h 34 min 00 s
